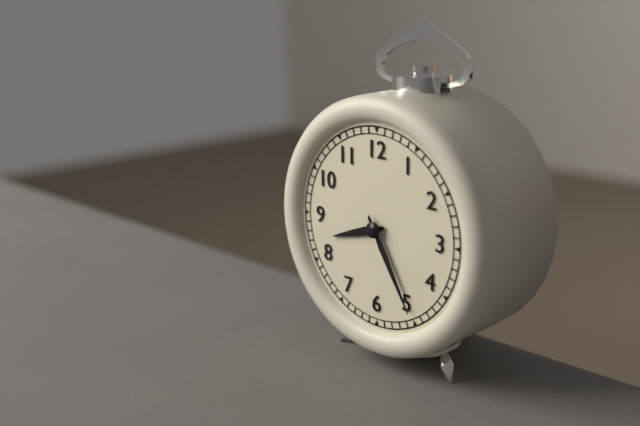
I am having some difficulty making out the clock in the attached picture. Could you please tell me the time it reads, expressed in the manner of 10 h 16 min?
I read 8 h 25 min
